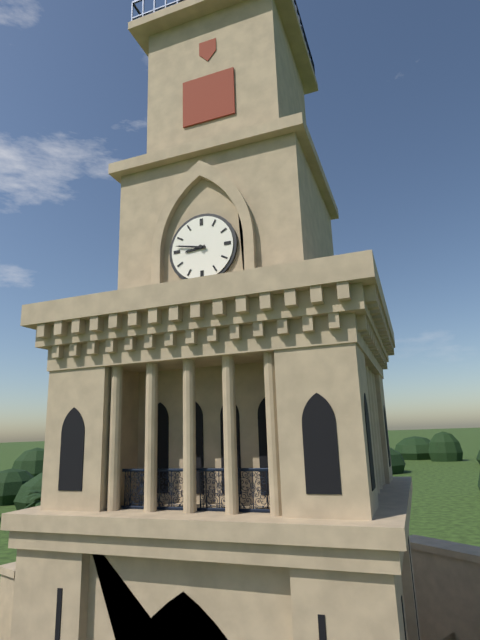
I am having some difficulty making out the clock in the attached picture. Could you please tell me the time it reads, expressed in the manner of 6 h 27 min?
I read 8 h 47 min
